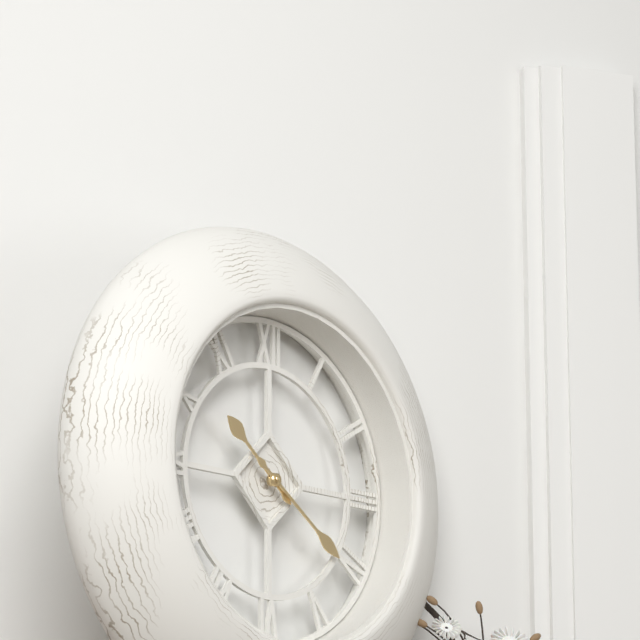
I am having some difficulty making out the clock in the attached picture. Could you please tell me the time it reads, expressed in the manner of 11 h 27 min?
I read 10 h 21 min
